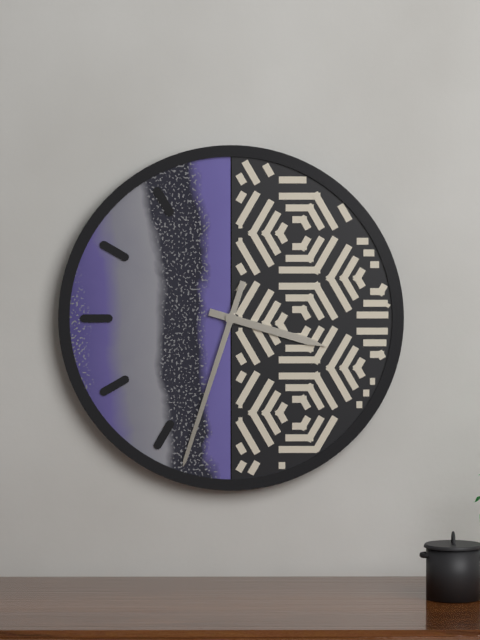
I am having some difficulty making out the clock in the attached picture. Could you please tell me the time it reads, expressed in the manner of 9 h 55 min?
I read 3 h 33 min
